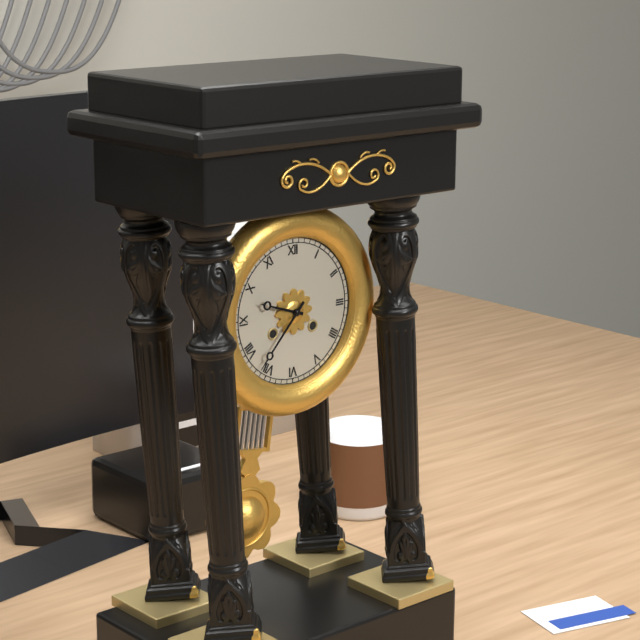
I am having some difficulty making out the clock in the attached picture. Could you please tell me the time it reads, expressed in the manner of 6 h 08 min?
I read 9 h 37 min
